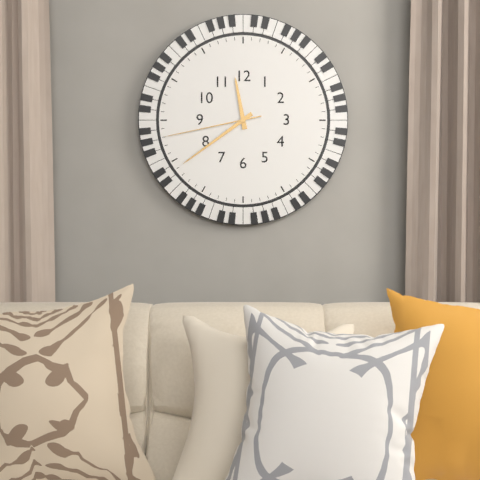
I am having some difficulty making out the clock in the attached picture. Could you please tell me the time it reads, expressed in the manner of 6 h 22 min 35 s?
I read 11 h 39 min 43 s
